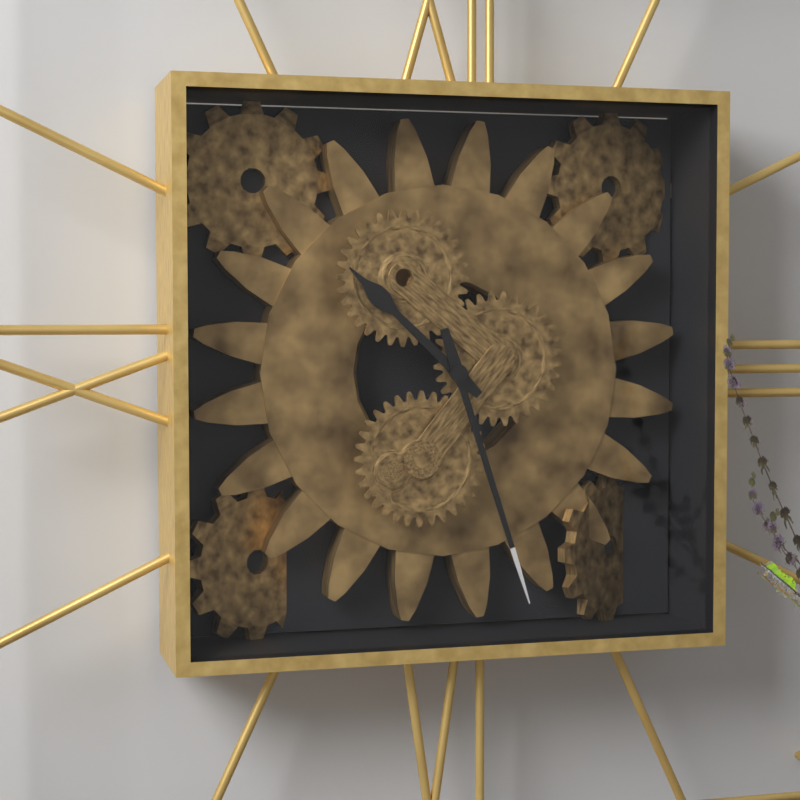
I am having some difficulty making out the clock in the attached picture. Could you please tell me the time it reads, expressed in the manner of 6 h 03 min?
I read 10 h 27 min
